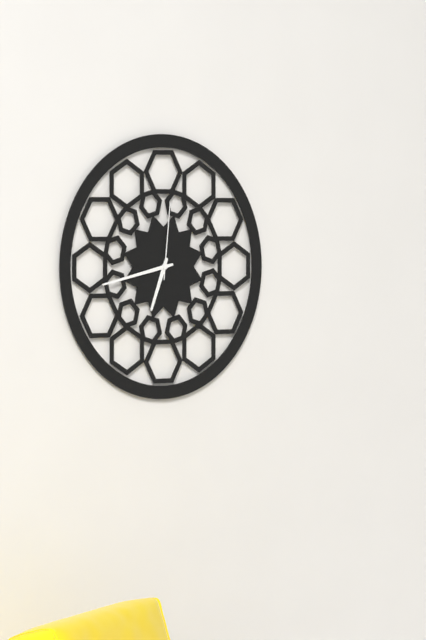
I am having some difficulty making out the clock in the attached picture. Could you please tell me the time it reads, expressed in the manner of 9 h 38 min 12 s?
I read 6 h 43 min 01 s
